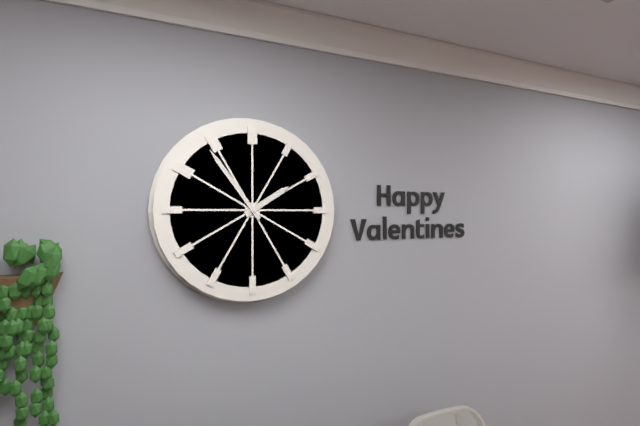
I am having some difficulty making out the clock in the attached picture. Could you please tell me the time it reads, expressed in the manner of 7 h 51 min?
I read 1 h 54 min
